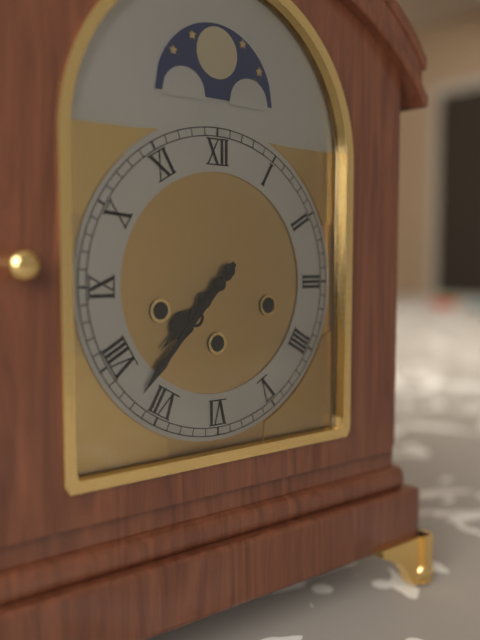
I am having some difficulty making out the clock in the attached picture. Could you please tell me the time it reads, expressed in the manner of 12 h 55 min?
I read 7 h 37 min
